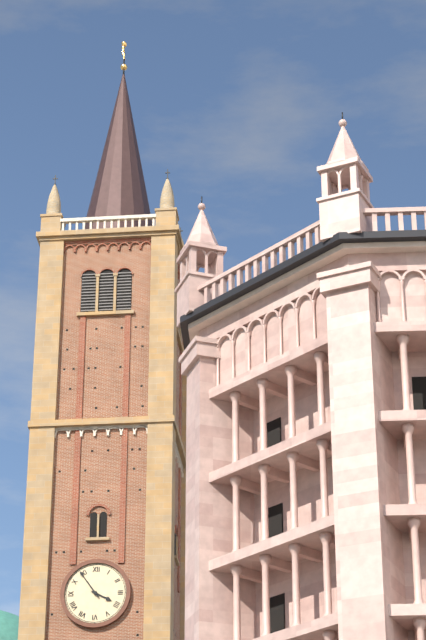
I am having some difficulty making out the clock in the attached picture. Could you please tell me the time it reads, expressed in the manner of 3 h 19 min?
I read 3 h 54 min
